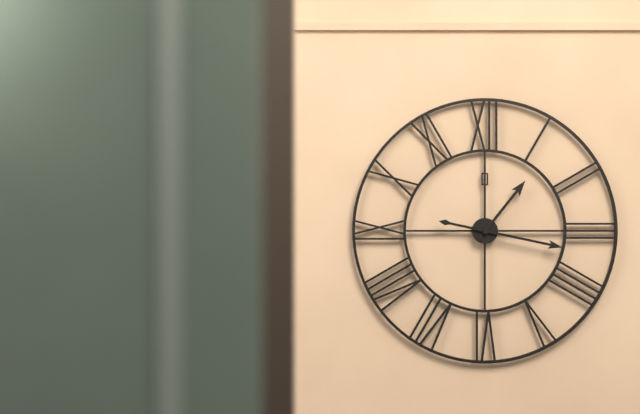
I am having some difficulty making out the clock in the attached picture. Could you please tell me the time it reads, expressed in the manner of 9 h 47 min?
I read 1 h 17 min
